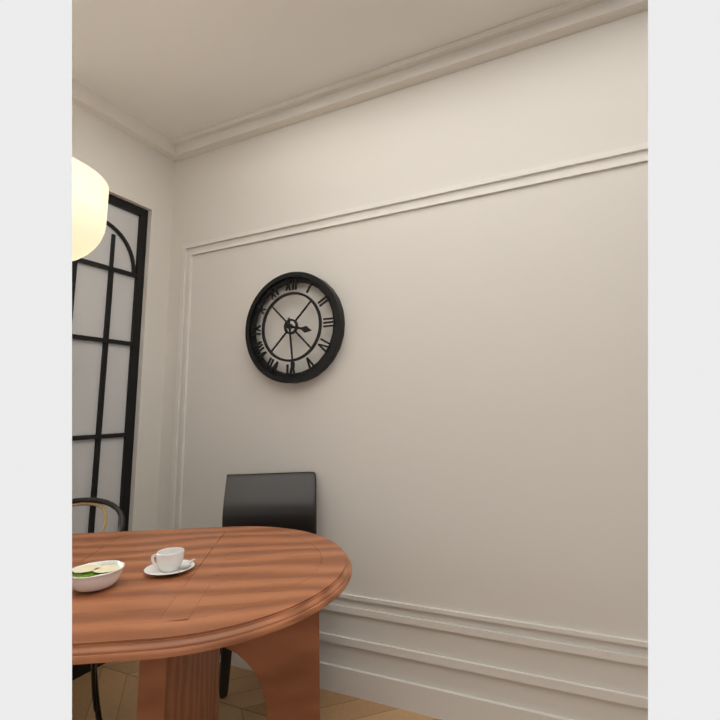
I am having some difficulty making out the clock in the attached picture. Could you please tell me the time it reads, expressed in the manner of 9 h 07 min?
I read 3 h 29 min
